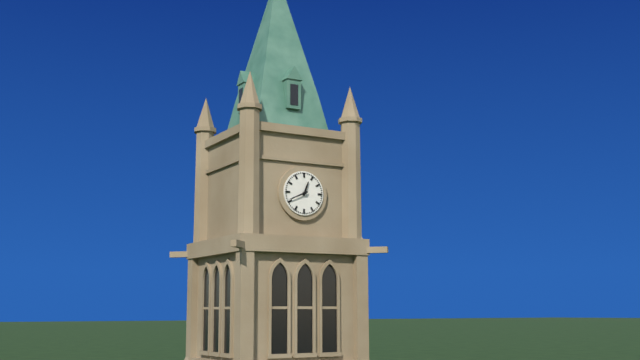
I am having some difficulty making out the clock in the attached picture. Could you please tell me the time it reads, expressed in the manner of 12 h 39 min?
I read 12 h 41 min
